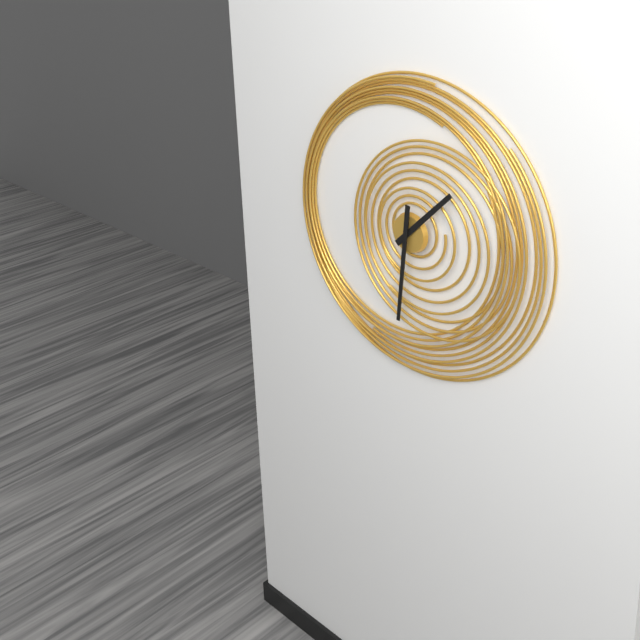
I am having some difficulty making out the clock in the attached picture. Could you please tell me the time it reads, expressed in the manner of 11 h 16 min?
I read 1 h 31 min
